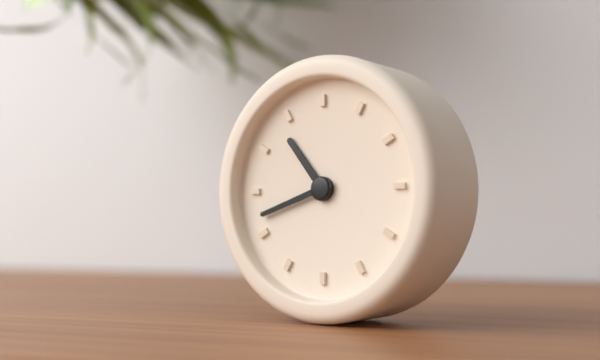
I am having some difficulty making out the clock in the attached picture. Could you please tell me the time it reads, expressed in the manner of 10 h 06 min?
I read 10 h 42 min
